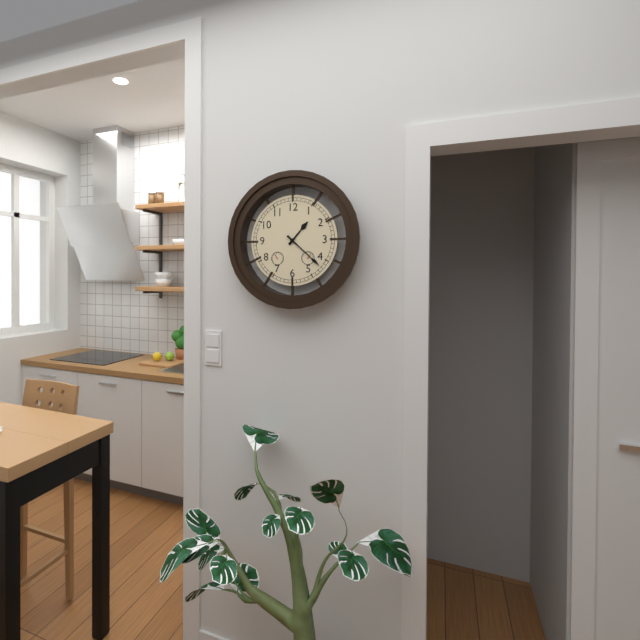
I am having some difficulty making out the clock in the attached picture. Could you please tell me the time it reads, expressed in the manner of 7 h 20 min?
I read 1 h 22 min
